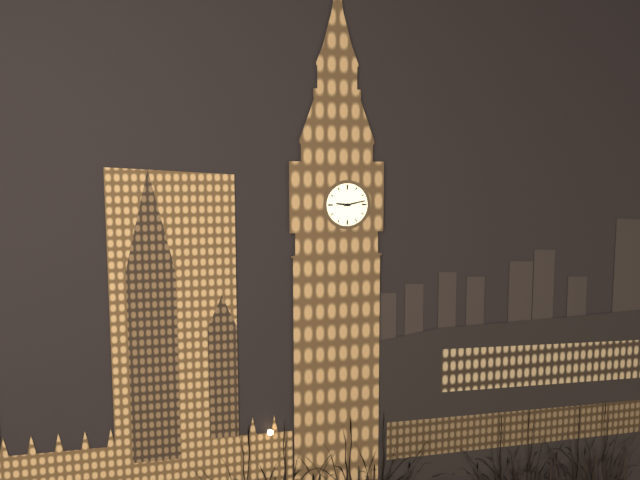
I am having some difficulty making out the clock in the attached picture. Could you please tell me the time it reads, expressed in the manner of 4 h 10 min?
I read 9 h 13 min
